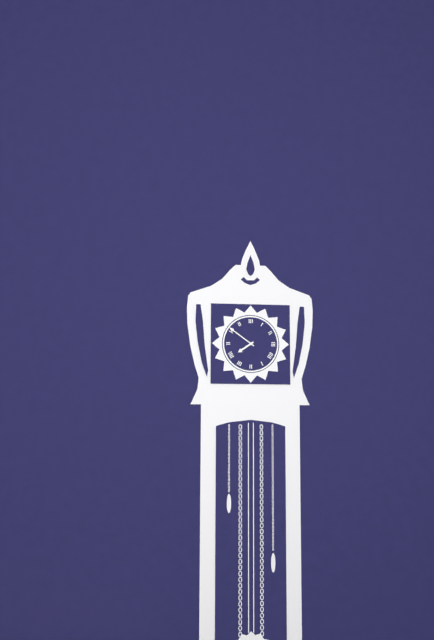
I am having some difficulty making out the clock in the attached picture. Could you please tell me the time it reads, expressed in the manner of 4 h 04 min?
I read 7 h 51 min
